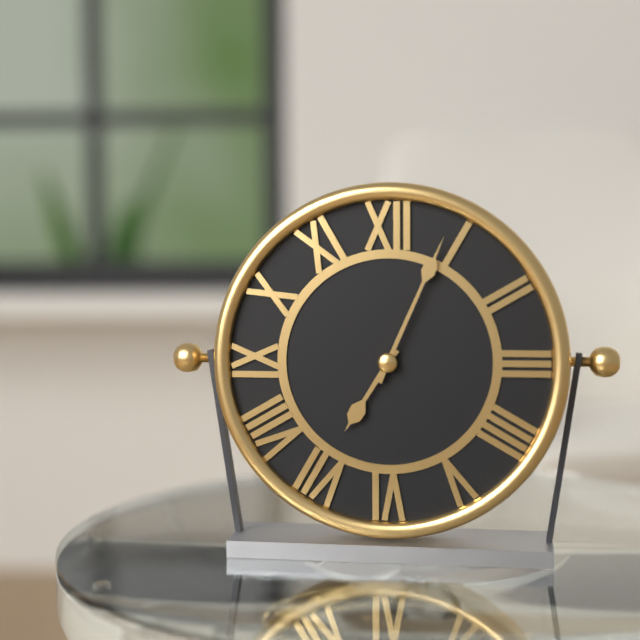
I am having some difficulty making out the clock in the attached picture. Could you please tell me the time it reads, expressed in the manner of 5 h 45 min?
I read 7 h 04 min
